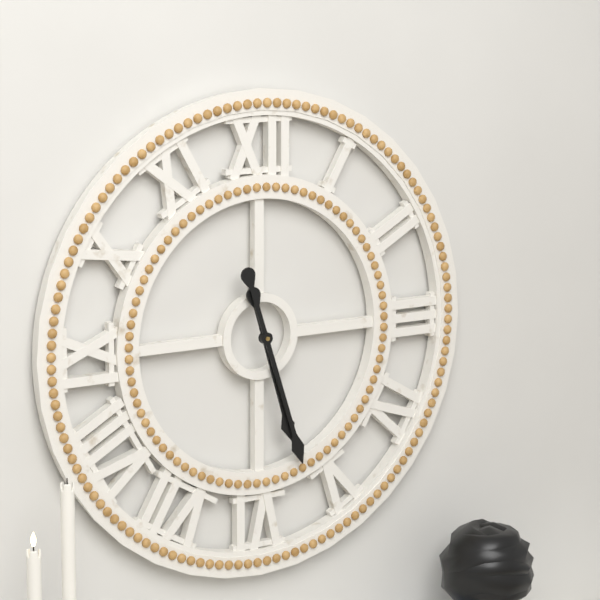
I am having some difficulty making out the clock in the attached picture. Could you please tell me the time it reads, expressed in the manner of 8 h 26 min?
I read 5 h 27 min
